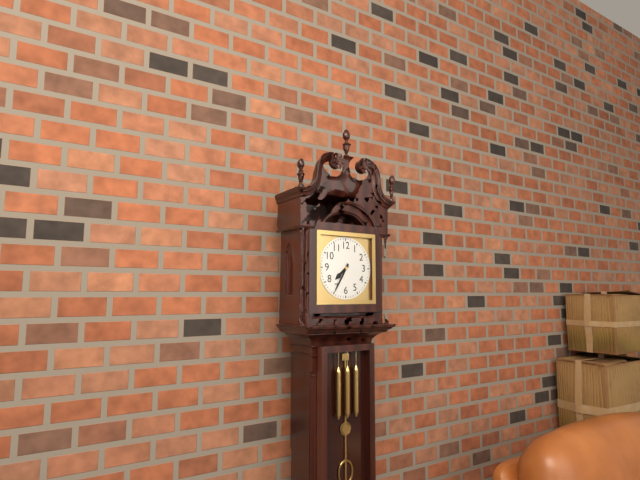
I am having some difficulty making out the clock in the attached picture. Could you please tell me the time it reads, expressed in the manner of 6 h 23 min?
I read 7 h 35 min
